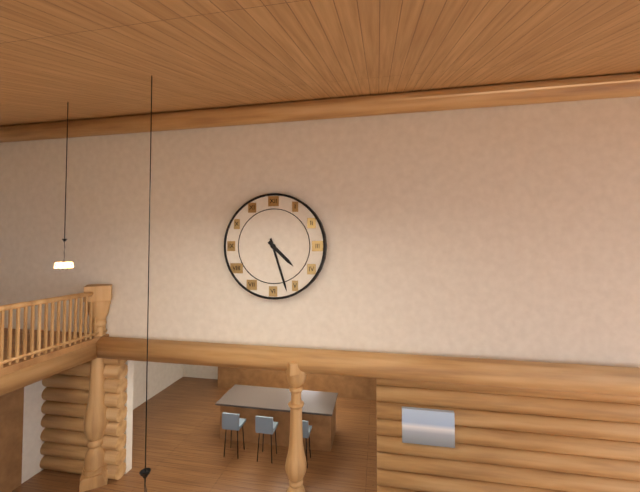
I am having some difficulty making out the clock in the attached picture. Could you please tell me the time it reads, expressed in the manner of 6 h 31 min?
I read 4 h 27 min
